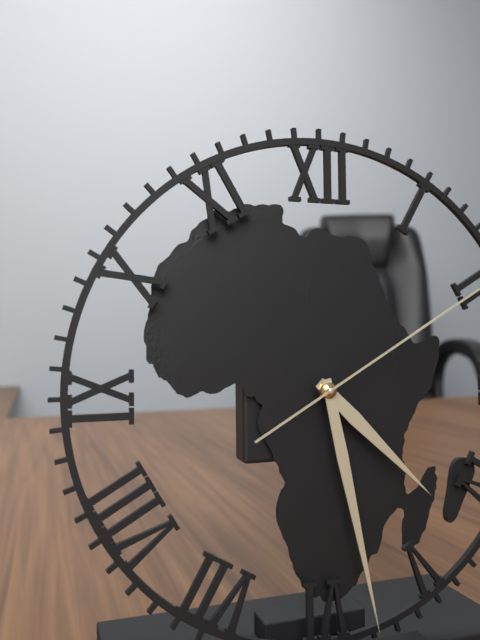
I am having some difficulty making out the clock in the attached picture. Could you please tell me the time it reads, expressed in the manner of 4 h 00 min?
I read 4 h 28 min
